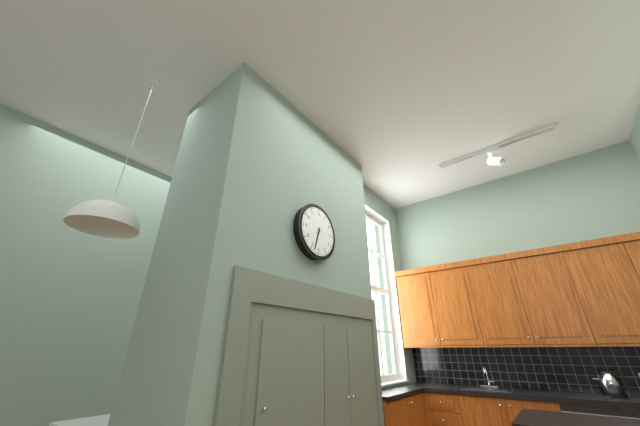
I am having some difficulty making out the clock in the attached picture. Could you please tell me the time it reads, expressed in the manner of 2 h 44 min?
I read 6 h 33 min
